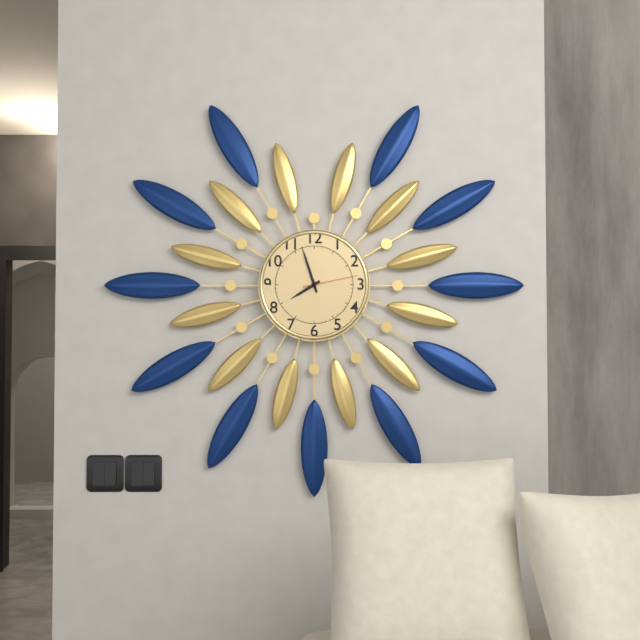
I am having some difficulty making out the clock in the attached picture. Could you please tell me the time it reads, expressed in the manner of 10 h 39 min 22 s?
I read 7 h 57 min 13 s
